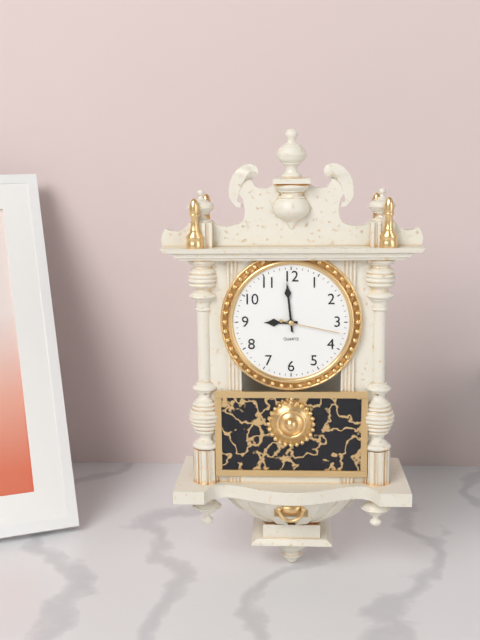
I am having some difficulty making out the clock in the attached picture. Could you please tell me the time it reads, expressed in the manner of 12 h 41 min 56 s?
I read 8 h 59 min 17 s
